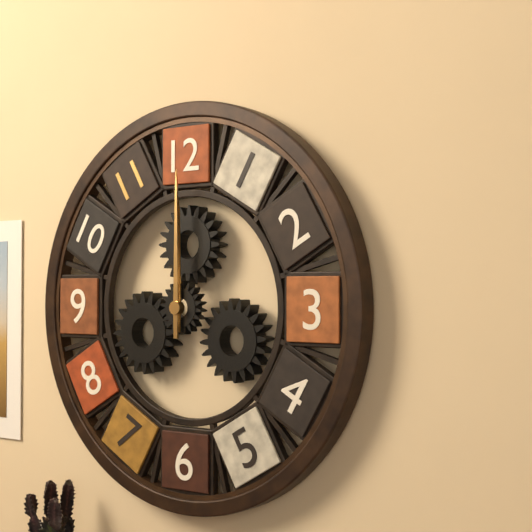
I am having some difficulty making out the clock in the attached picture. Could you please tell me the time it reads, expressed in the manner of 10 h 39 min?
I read 12 h 00 min
